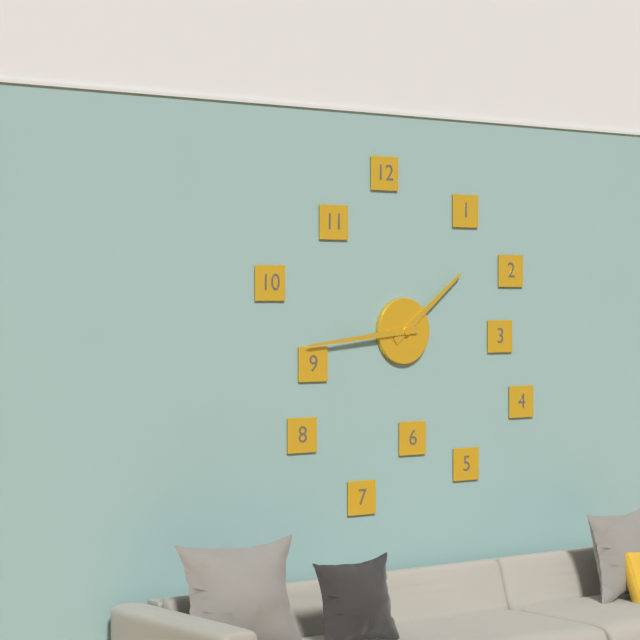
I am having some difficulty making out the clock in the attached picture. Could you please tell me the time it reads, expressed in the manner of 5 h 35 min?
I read 1 h 44 min
